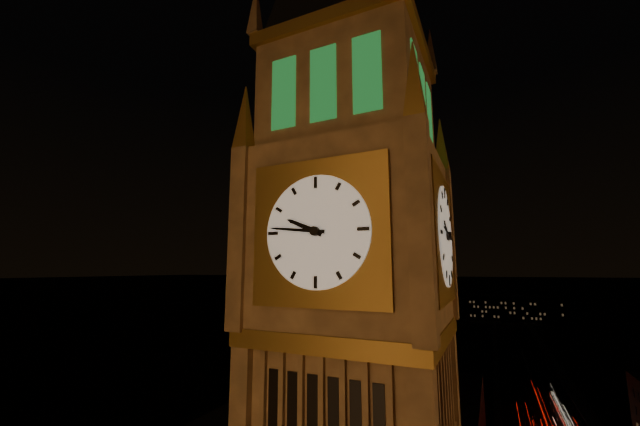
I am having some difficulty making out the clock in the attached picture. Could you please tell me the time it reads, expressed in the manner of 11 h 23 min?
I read 9 h 46 min
